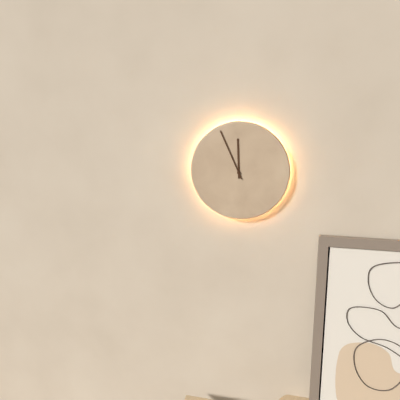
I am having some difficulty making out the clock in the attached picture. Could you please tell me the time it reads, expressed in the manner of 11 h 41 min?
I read 11 h 56 min
